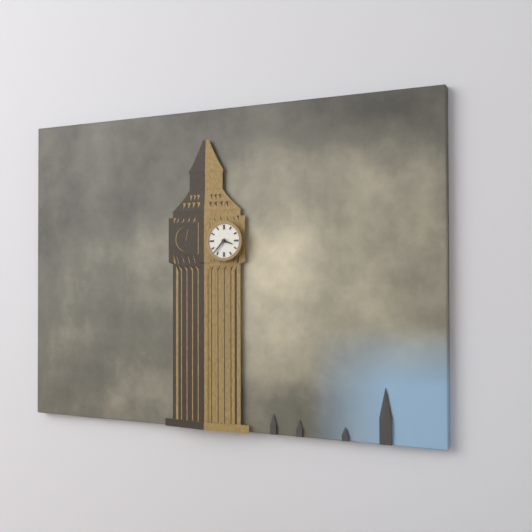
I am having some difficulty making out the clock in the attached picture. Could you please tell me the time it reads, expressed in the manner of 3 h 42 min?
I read 3 h 37 min
